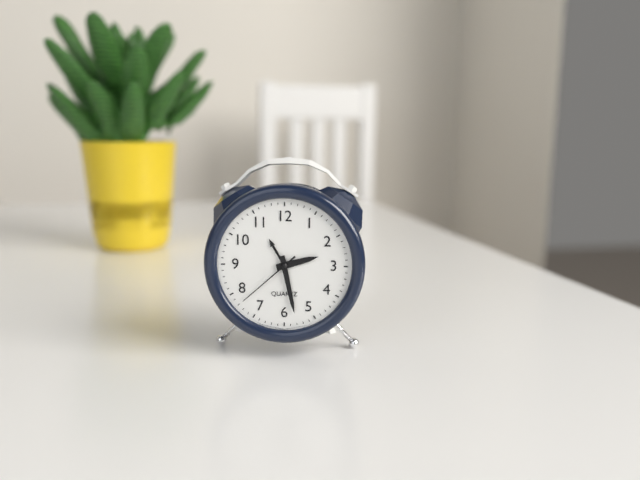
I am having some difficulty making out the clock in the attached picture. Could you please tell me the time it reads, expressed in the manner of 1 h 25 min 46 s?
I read 2 h 28 min 38 s
